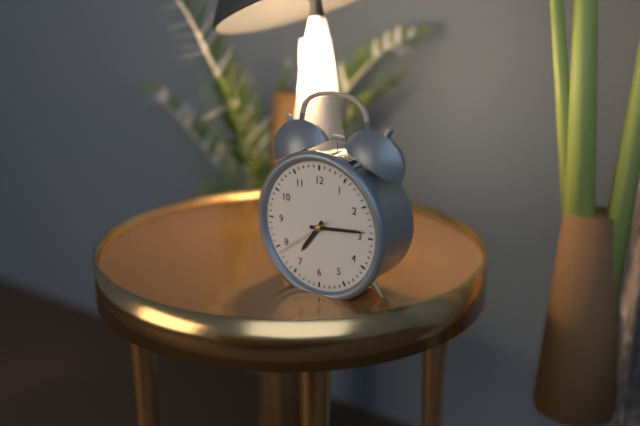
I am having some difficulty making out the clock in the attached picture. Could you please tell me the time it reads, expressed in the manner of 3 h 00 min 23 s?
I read 7 h 14 min 39 s
